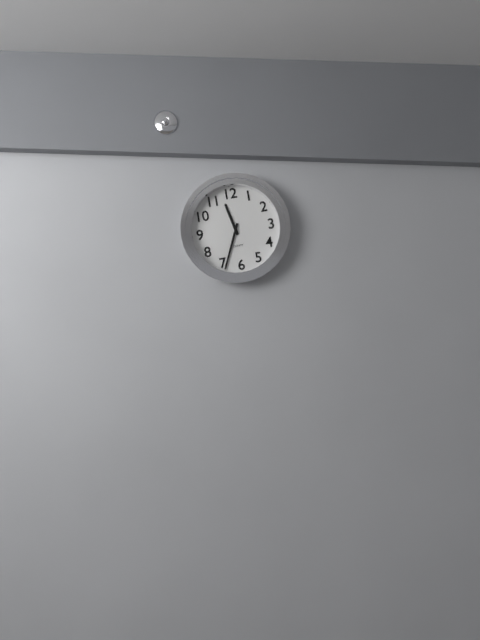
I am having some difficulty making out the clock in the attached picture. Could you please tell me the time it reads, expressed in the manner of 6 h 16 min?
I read 11 h 34 min
